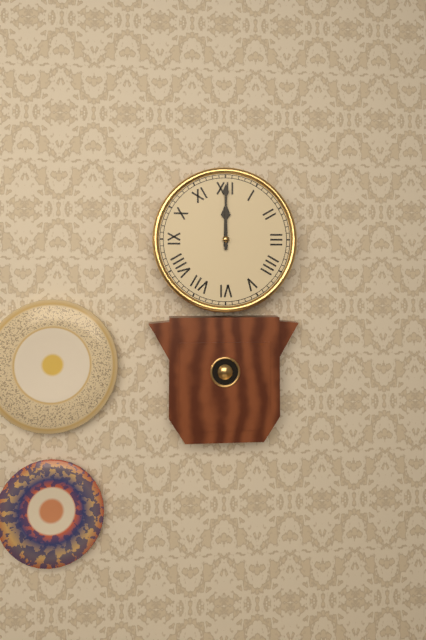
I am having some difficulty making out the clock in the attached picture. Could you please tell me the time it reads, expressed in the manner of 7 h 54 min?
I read 12 h 00 min
